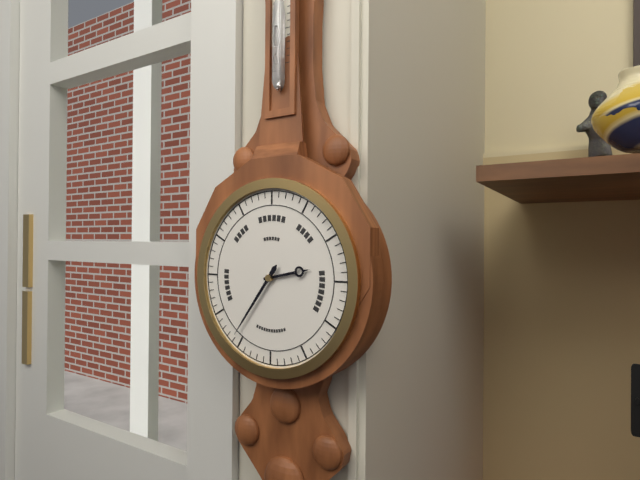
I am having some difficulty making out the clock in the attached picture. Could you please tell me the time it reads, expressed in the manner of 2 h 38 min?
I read 2 h 36 min
